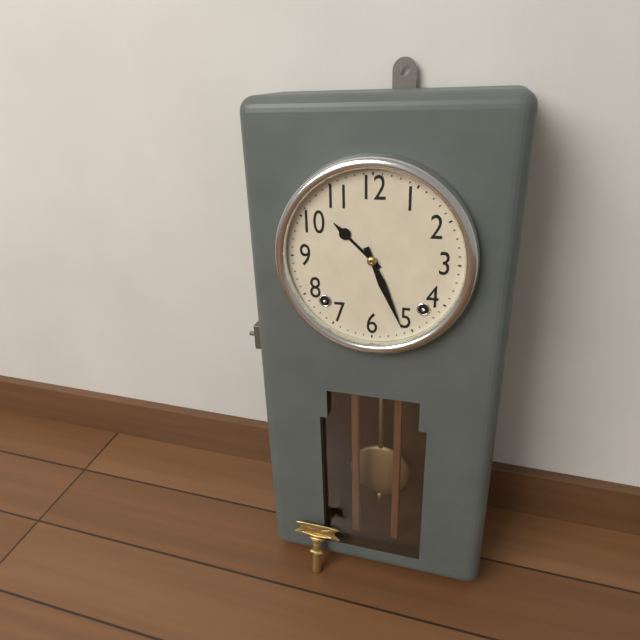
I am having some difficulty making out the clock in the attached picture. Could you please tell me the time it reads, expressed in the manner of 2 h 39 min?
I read 10 h 26 min
